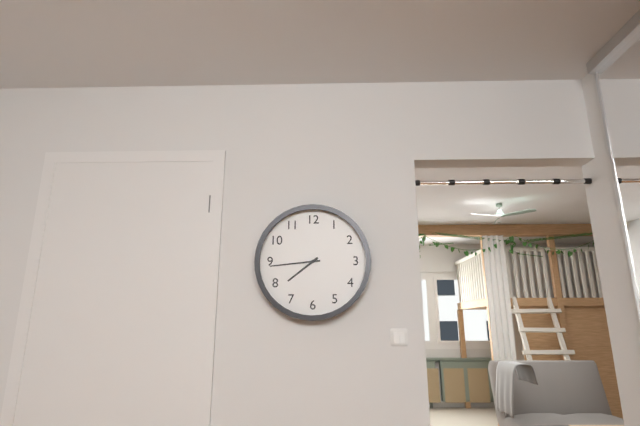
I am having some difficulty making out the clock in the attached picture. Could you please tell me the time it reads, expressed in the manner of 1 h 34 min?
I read 7 h 44 min
